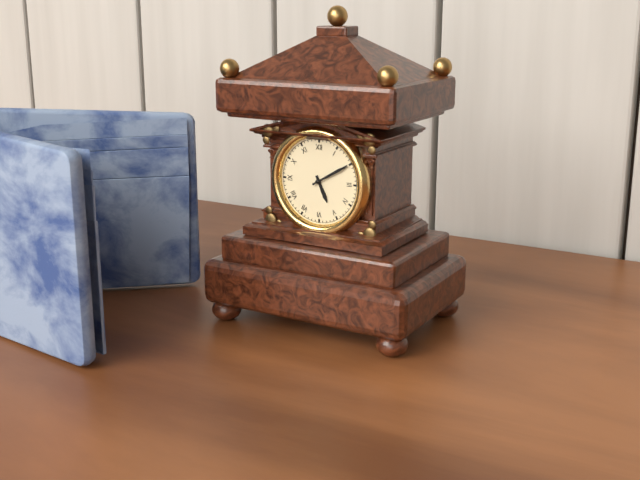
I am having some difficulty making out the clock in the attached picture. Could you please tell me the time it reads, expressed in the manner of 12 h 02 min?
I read 5 h 10 min
